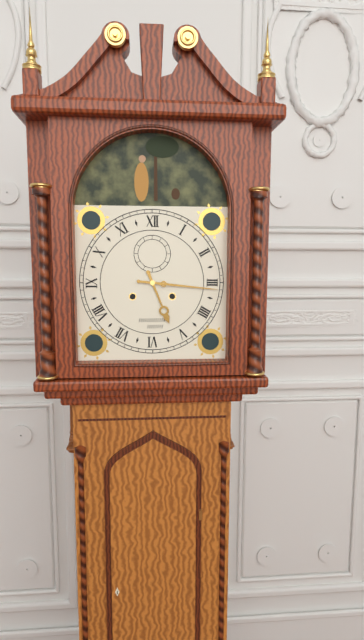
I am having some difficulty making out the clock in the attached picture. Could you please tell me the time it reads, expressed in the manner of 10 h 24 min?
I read 5 h 16 min
